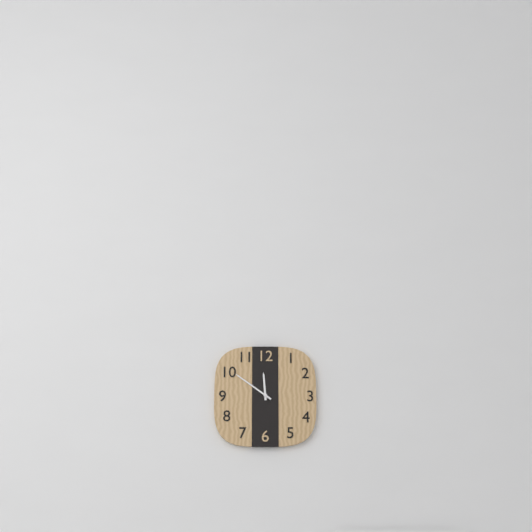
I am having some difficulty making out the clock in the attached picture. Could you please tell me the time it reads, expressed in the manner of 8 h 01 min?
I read 11 h 51 min
